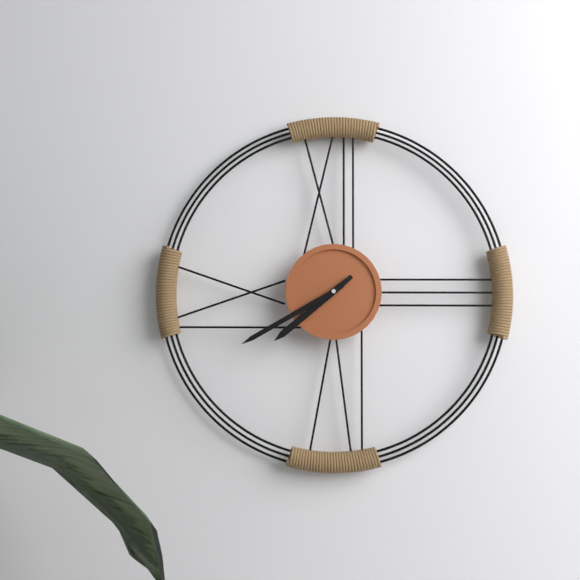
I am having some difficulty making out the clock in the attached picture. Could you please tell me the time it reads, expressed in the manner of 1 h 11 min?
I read 7 h 40 min
